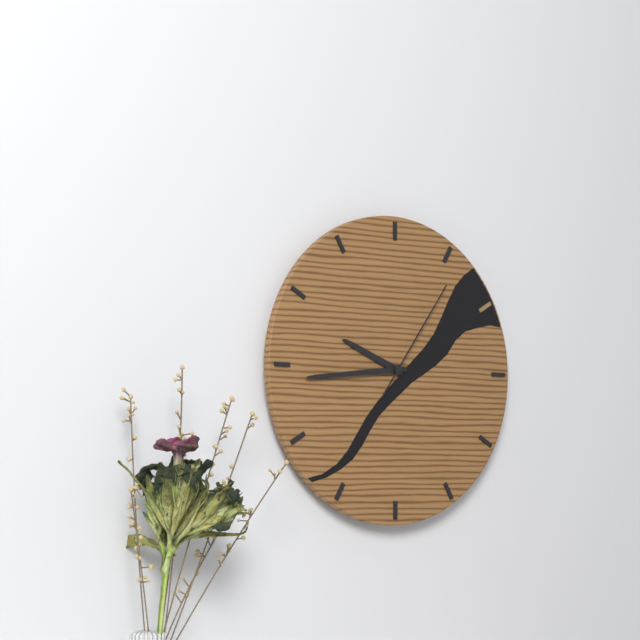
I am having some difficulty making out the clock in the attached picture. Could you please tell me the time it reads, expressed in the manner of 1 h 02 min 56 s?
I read 9 h 44 min 06 s
